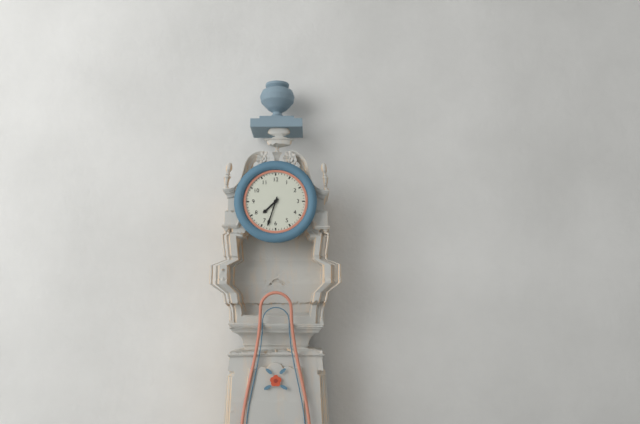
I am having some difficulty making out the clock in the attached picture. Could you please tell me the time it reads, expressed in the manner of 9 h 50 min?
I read 7 h 33 min
